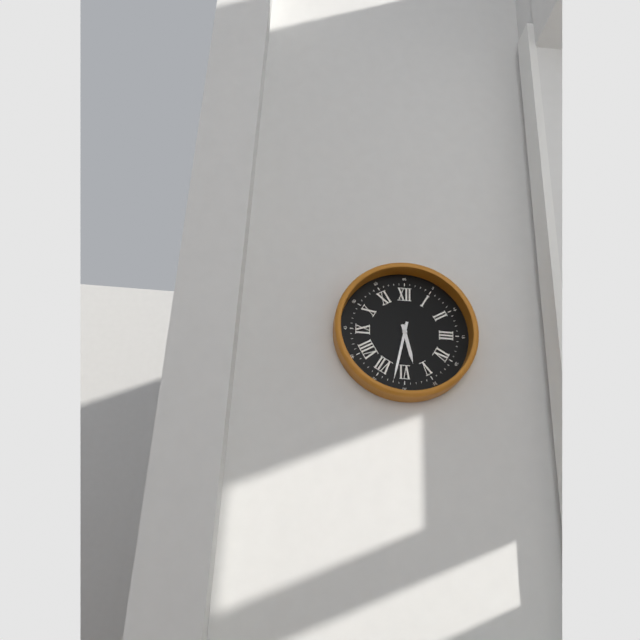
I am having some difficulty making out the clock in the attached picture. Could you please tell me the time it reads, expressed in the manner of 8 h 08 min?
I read 5 h 32 min
